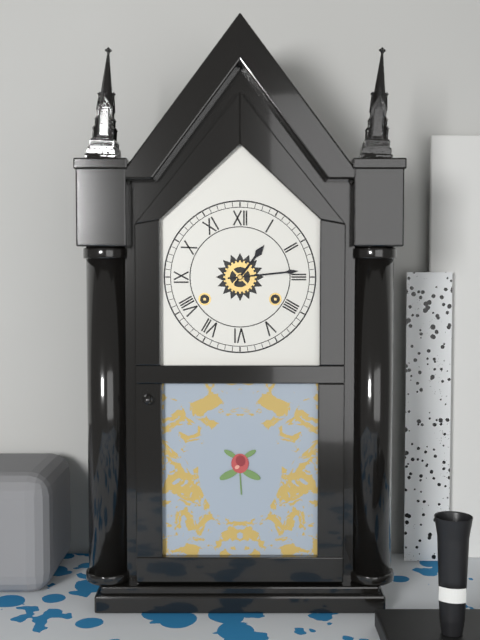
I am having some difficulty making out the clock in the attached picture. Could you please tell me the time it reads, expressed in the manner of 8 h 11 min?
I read 1 h 14 min
